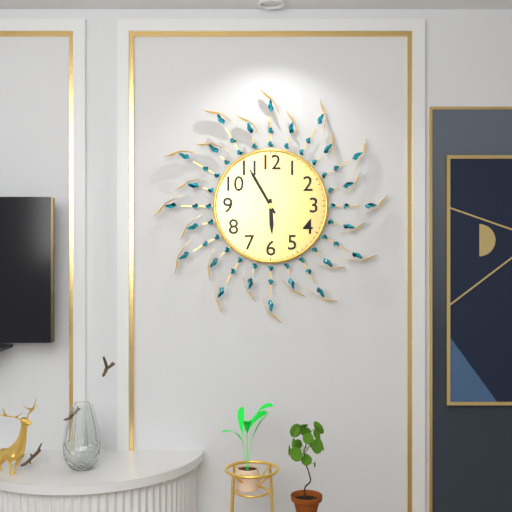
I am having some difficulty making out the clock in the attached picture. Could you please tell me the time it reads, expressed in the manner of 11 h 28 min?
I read 5 h 55 min
